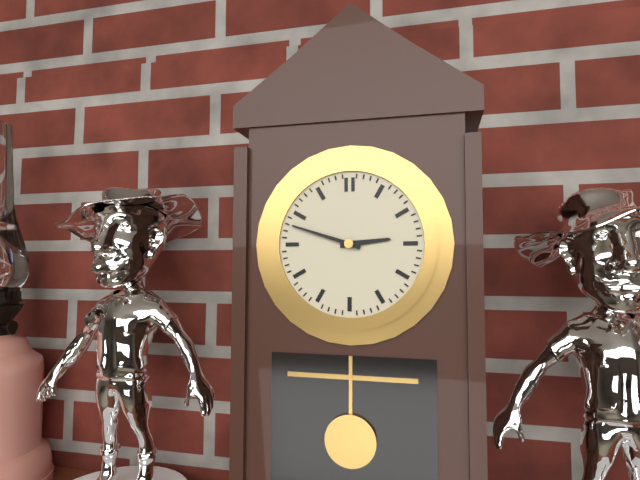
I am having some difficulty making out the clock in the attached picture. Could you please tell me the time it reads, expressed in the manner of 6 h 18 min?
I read 2 h 48 min
